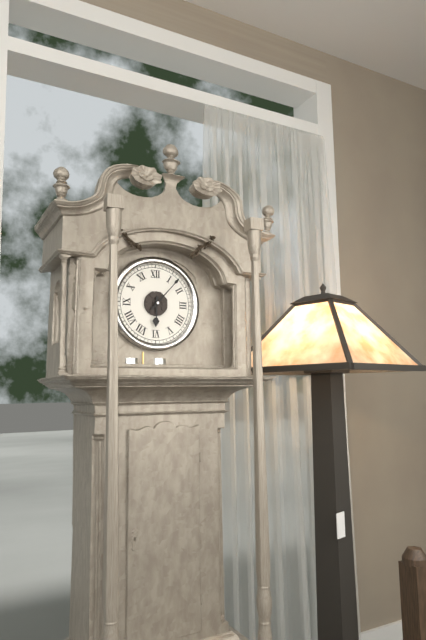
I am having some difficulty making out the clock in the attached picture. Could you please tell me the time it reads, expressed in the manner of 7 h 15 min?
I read 6 h 07 min
